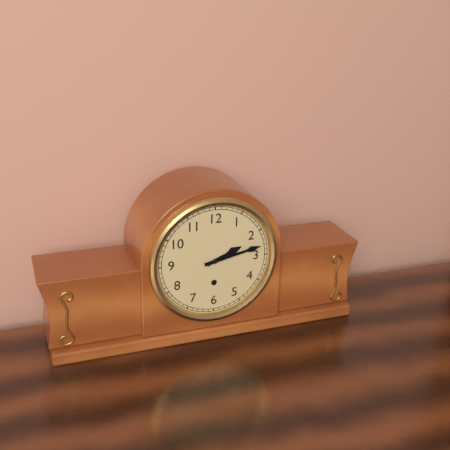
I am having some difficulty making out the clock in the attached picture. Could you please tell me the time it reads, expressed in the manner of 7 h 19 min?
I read 2 h 13 min
